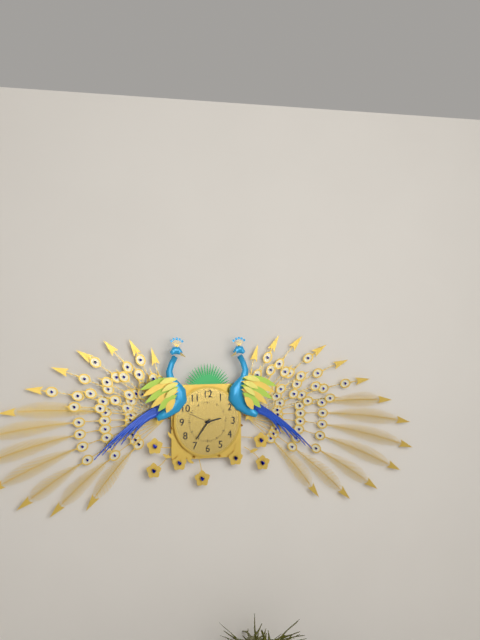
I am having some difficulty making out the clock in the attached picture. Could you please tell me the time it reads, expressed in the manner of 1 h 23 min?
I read 2 h 36 min
